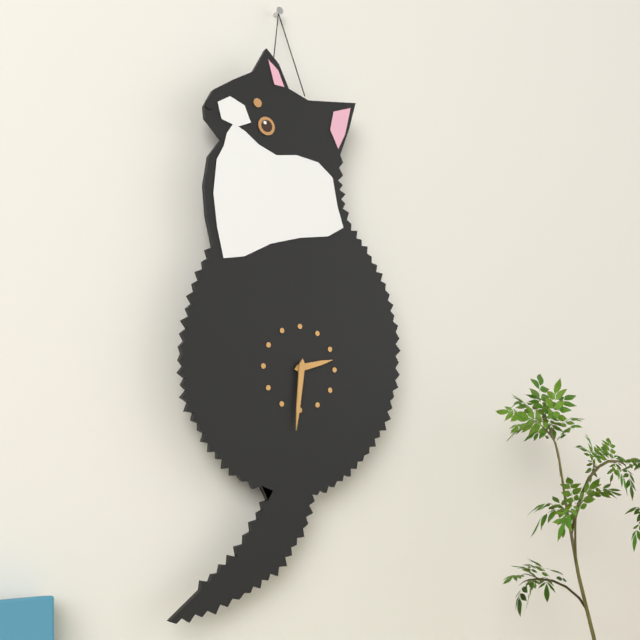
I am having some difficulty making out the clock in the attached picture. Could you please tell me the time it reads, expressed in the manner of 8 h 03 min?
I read 2 h 31 min
